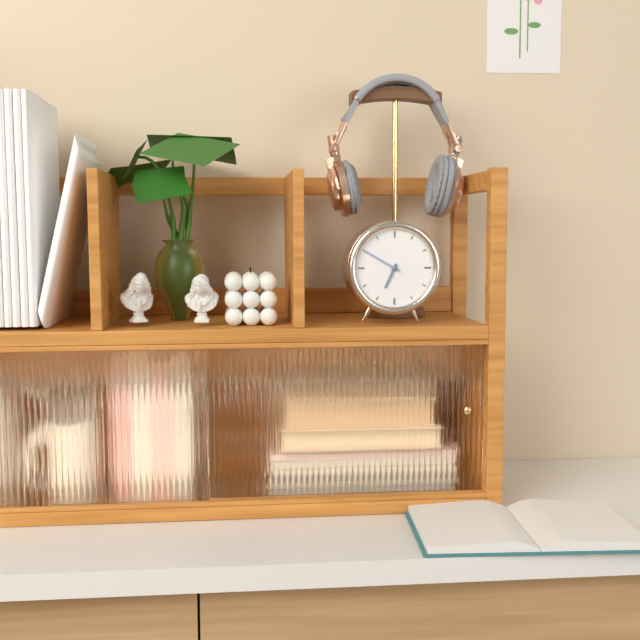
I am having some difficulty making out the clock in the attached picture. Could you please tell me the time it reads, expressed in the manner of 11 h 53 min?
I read 6 h 50 min
